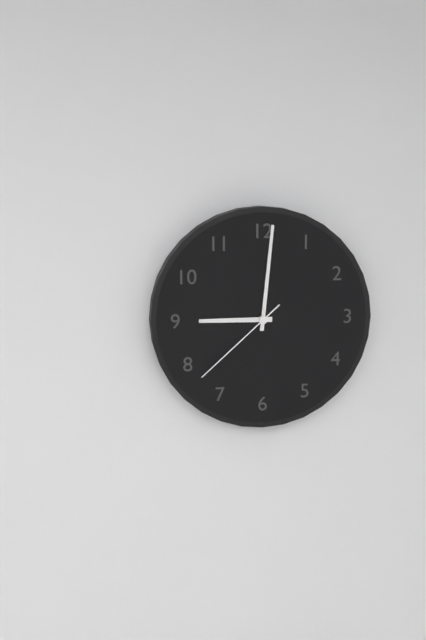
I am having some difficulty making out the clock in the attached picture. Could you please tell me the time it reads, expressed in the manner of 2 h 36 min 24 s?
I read 9 h 01 min 38 s
